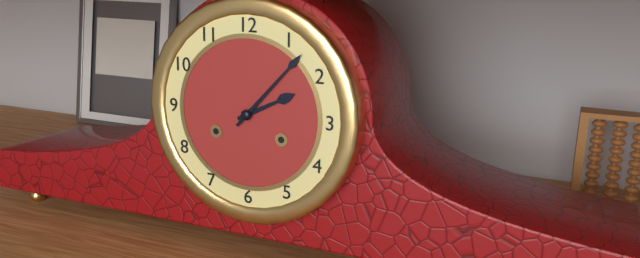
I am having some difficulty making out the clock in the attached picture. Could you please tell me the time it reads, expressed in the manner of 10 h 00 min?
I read 2 h 07 min
